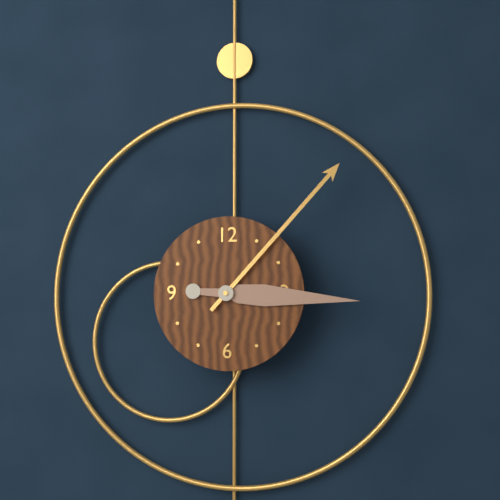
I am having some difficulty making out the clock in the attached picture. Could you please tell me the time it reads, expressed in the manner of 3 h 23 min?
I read 3 h 07 min
